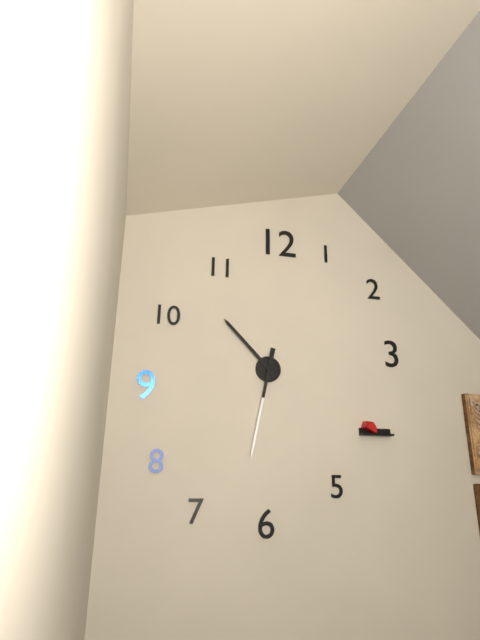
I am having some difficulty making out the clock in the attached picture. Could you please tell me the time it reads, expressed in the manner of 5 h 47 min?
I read 10 h 32 min
